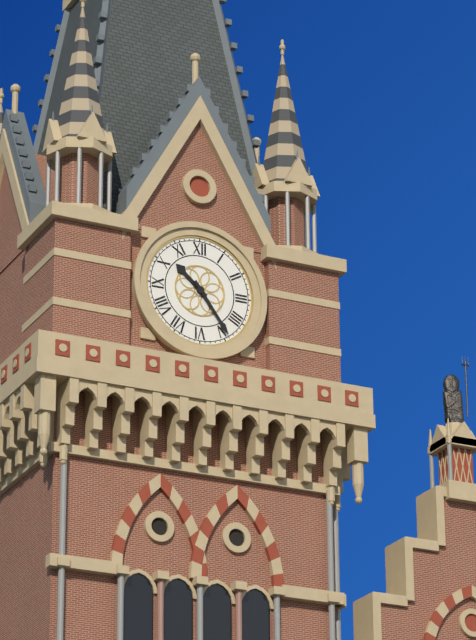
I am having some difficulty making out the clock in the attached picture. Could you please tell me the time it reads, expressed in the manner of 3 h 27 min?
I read 10 h 24 min
